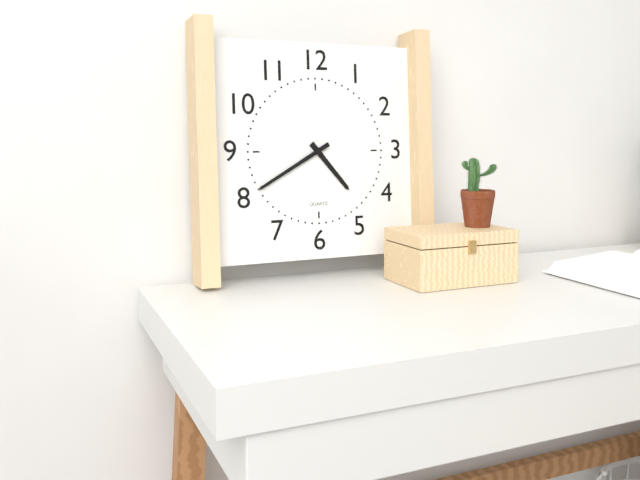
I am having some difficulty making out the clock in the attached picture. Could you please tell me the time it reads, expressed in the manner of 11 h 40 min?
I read 4 h 40 min
